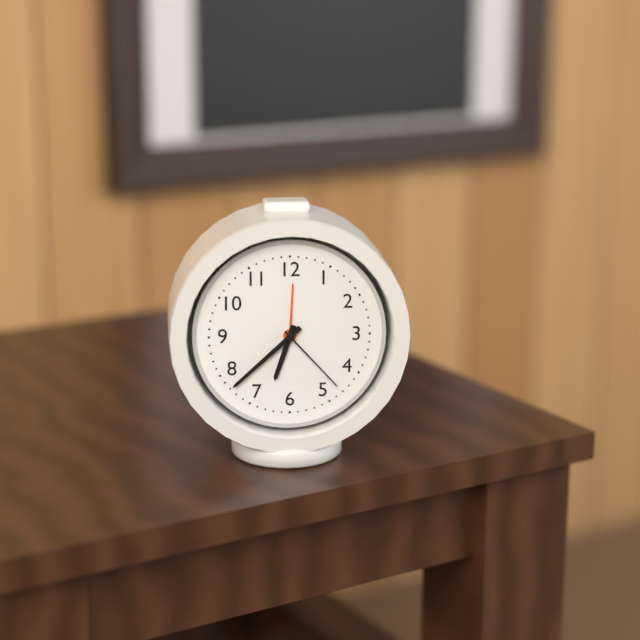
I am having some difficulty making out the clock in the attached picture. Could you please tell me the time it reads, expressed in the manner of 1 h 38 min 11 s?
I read 6 h 38 min 23 s
